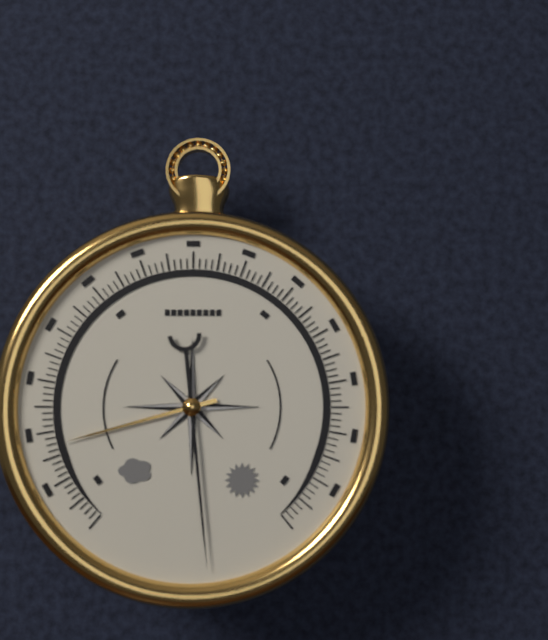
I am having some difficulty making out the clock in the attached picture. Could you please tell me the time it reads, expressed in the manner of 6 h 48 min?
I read 8 h 29 min
